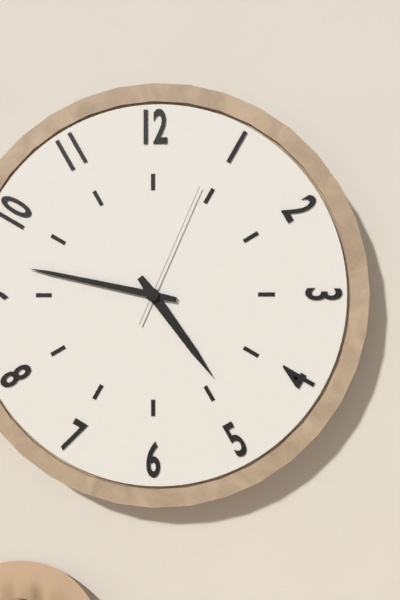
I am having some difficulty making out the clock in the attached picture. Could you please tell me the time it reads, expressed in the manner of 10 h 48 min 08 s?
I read 4 h 47 min 04 s
